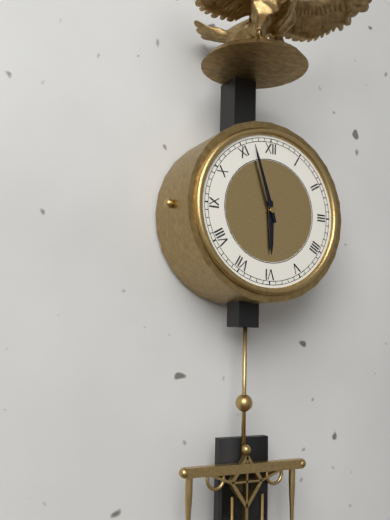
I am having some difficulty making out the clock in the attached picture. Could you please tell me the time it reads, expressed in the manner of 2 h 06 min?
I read 5 h 57 min
